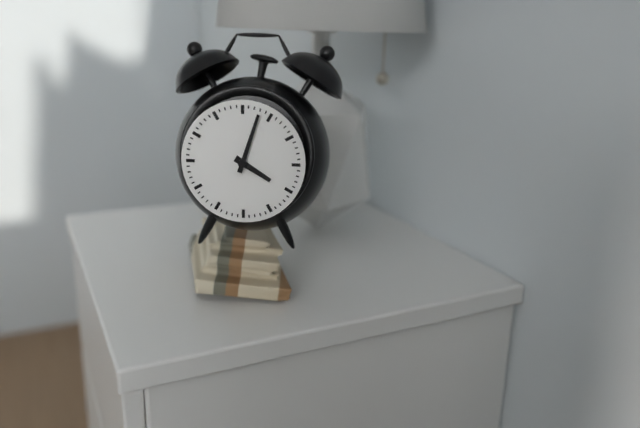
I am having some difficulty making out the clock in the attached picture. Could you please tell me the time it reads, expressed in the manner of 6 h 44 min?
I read 4 h 03 min
